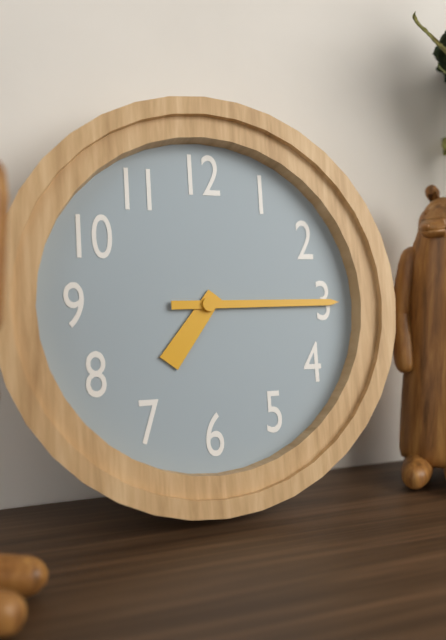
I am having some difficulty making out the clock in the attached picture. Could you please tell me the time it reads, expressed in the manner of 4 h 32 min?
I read 7 h 15 min
